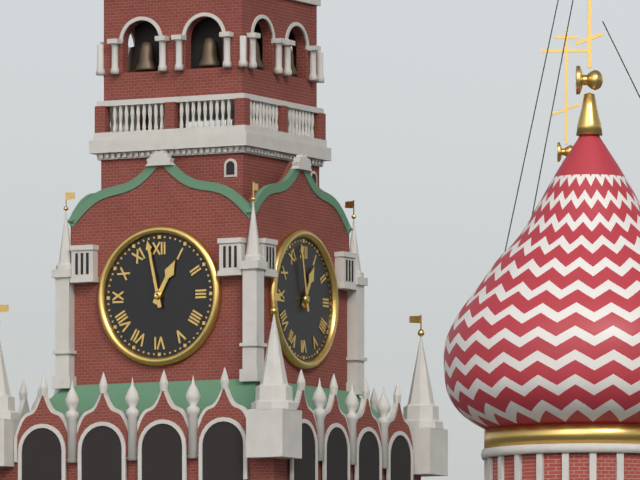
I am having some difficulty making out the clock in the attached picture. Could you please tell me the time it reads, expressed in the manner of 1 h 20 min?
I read 12 h 58 min
